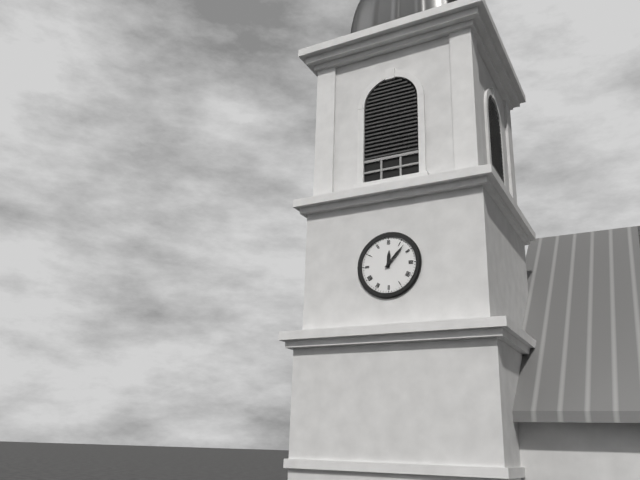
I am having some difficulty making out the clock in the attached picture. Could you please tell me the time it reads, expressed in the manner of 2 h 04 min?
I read 12 h 07 min
